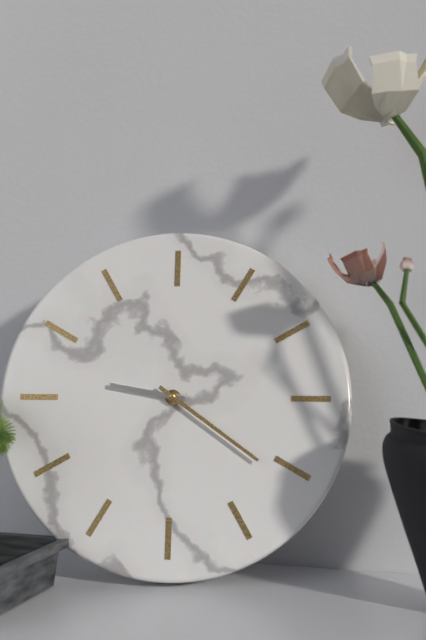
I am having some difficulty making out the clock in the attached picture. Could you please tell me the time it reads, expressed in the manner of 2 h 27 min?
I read 9 h 21 min
